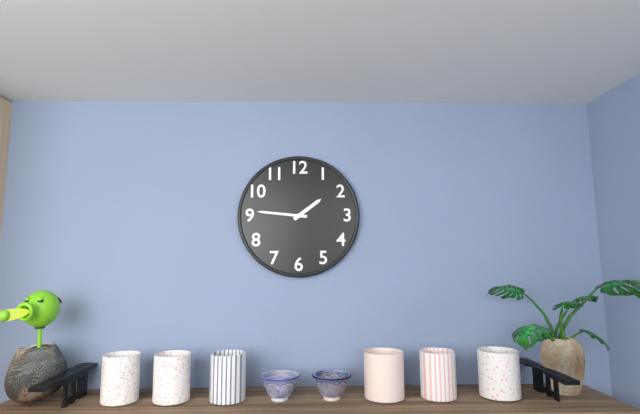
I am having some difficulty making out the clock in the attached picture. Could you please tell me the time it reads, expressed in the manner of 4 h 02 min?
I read 1 h 46 min
